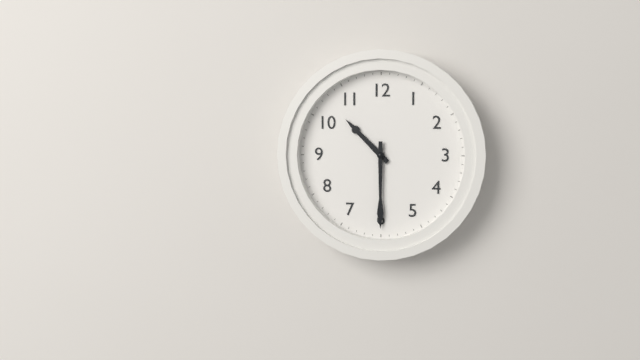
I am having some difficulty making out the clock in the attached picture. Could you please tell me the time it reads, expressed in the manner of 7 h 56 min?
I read 10 h 30 min
